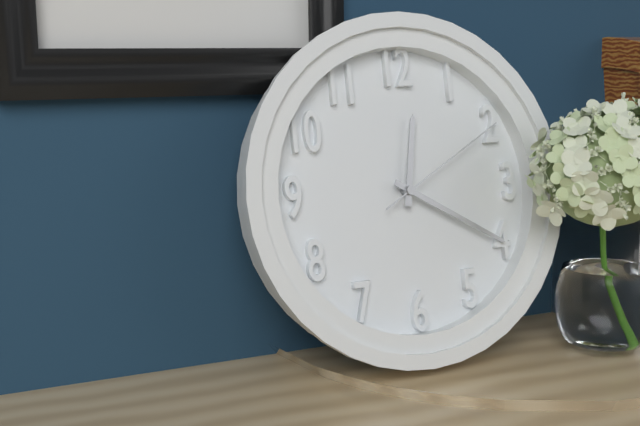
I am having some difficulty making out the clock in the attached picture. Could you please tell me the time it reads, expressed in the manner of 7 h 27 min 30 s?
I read 12 h 20 min 10 s
